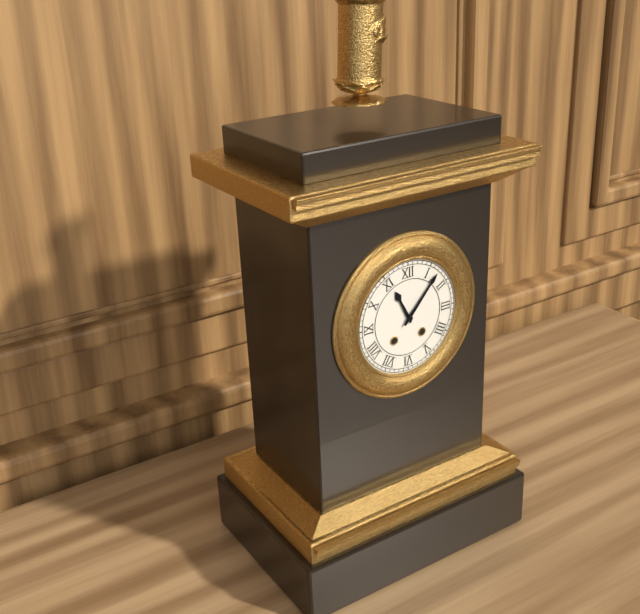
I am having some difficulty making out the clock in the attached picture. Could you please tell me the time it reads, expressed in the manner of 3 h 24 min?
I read 11 h 07 min
